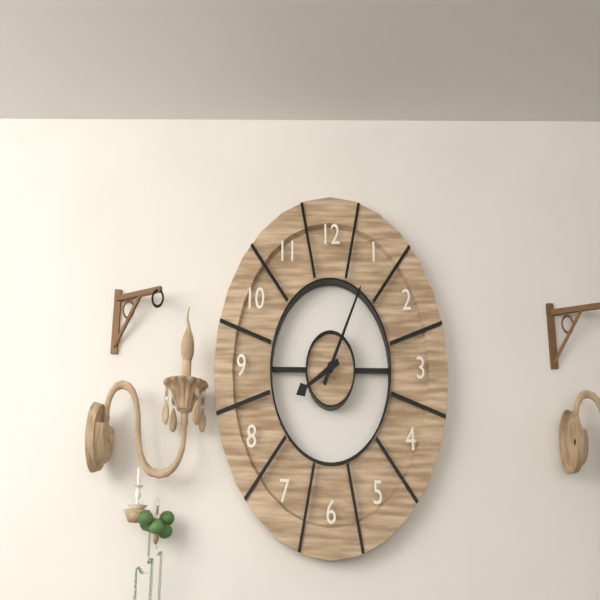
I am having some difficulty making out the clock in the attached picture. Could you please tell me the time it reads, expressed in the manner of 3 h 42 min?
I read 8 h 05 min
